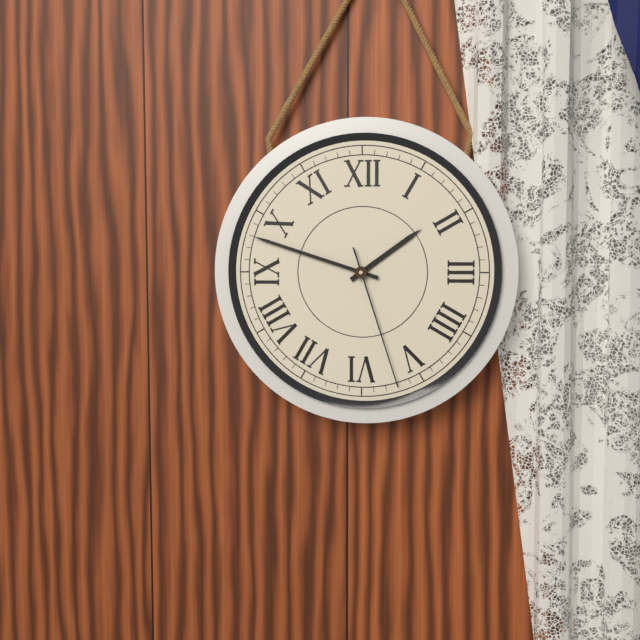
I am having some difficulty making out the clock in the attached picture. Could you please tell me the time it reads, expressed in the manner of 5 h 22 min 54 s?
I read 1 h 48 min 27 s
